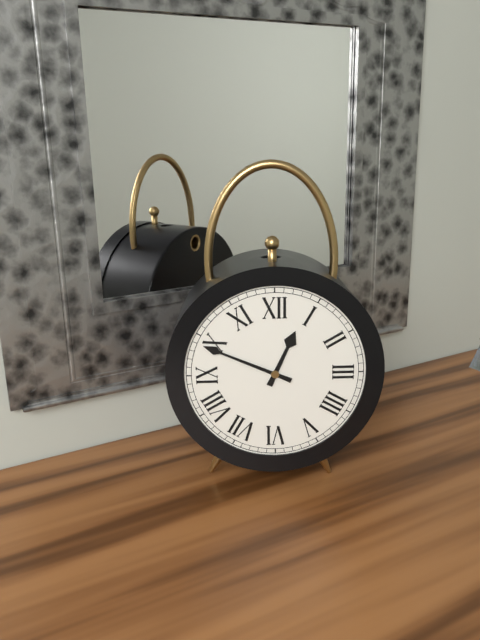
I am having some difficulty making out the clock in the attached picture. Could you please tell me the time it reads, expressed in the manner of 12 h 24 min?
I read 12 h 49 min
